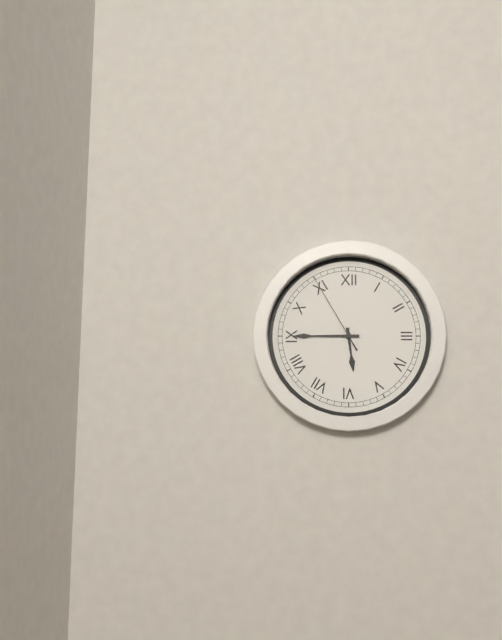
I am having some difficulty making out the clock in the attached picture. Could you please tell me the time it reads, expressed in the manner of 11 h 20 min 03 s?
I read 5 h 45 min 55 s
